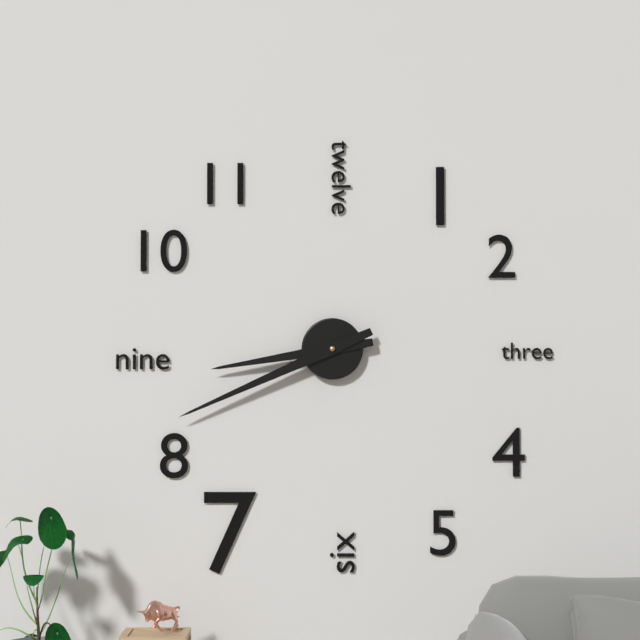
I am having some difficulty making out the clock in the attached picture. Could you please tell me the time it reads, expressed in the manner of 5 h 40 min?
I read 8 h 41 min
